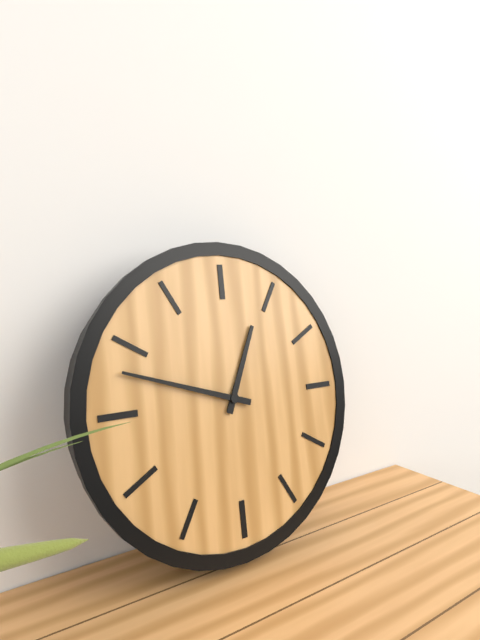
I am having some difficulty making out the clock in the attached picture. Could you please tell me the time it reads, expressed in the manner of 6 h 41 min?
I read 12 h 48 min
